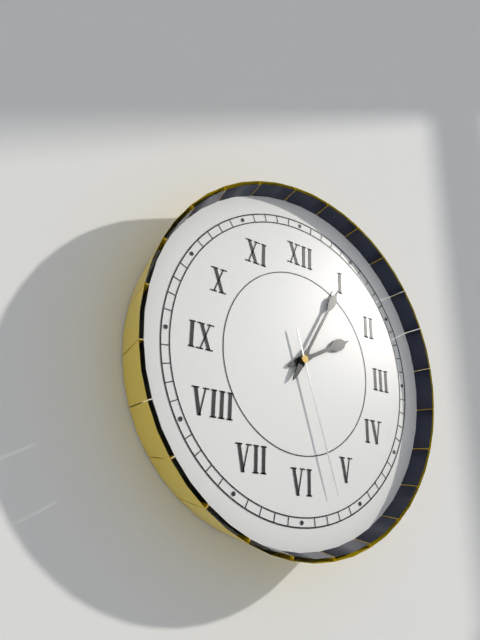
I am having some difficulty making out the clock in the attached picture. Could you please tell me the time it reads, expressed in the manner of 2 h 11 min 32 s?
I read 2 h 05 min 27 s
